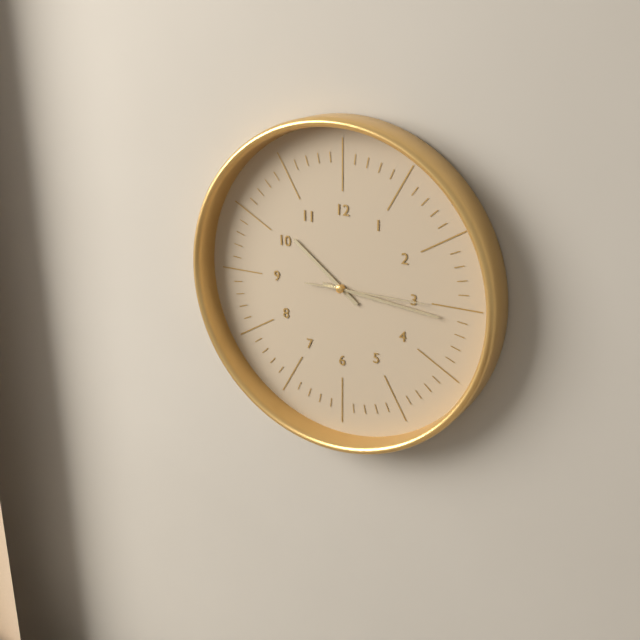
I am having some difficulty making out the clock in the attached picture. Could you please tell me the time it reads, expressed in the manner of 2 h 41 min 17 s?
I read 10 h 16 min 15 s
